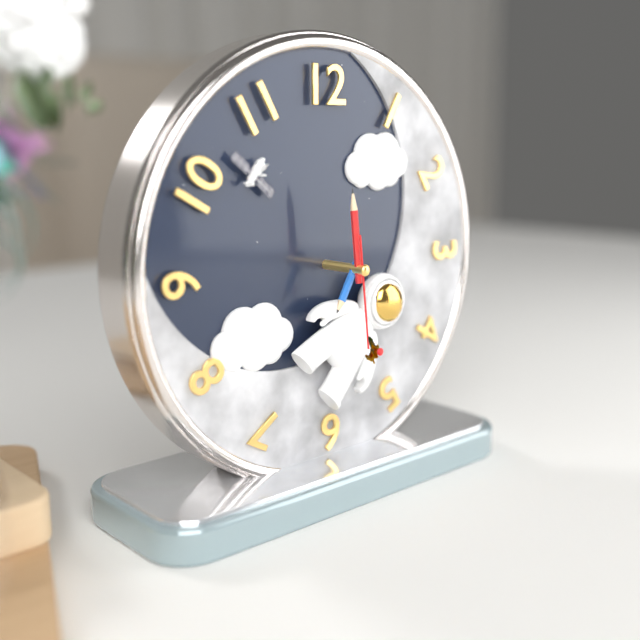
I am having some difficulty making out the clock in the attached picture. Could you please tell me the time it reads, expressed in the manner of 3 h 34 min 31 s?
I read 6 h 59 min 29 s
